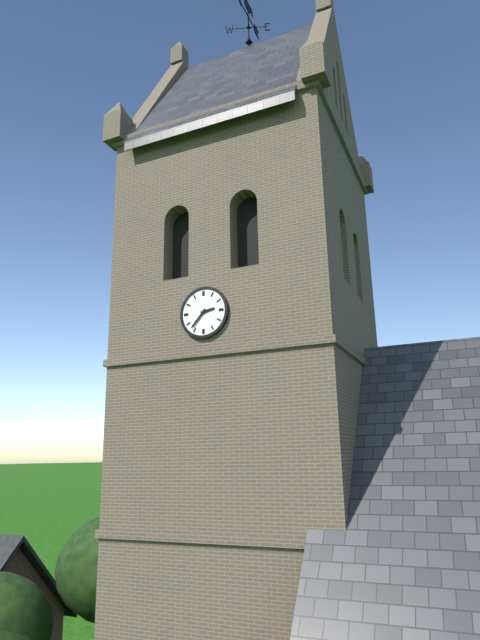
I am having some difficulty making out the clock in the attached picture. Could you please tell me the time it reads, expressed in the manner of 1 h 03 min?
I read 2 h 37 min
